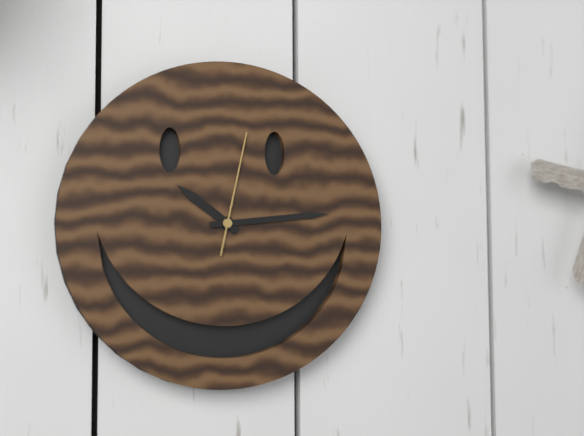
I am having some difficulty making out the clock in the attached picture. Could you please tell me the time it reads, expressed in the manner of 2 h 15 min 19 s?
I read 10 h 14 min 02 s
